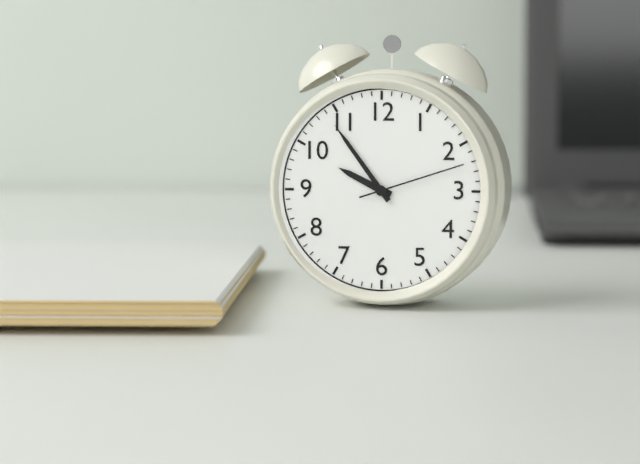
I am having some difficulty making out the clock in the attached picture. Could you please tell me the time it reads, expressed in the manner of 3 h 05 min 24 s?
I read 9 h 54 min 12 s
